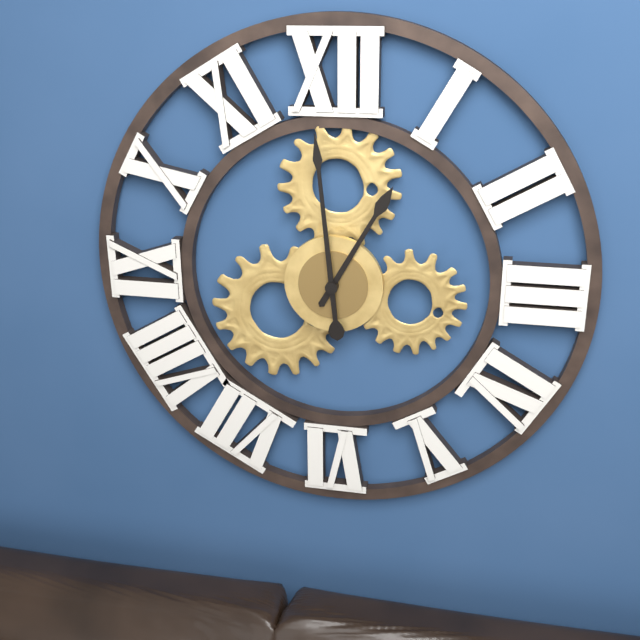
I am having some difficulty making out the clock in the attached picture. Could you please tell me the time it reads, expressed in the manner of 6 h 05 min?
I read 12 h 59 min
